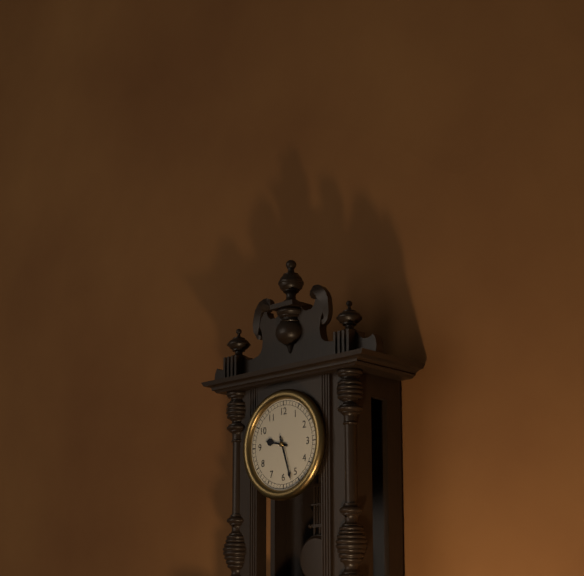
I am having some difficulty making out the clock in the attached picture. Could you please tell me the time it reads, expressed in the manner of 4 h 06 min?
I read 9 h 27 min
